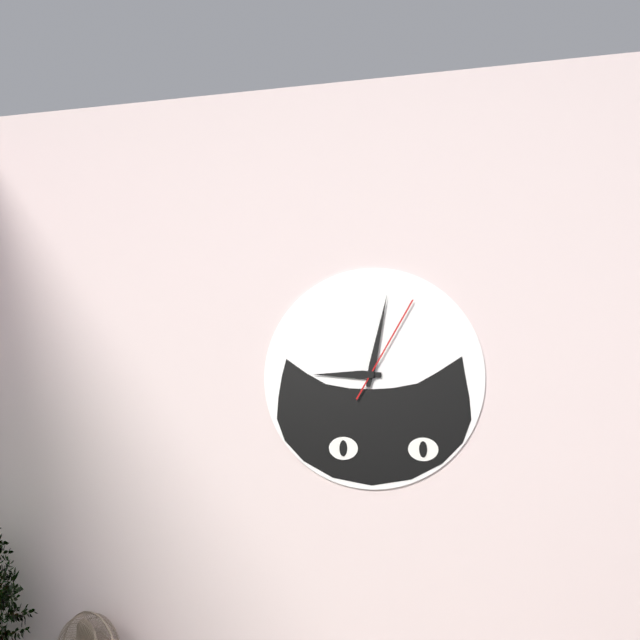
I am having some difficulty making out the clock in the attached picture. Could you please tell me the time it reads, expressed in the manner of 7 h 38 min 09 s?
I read 9 h 02 min 05 s
